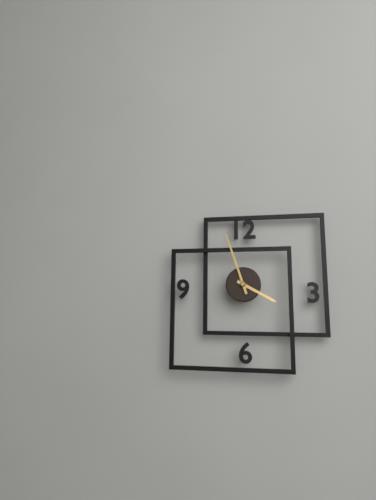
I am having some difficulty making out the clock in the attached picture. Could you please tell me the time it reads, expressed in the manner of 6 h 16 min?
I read 3 h 57 min
